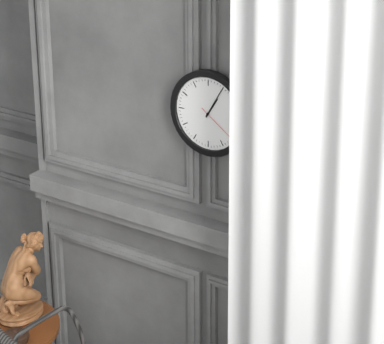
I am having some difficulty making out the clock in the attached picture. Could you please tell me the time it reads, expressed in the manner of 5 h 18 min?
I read 1 h 05 min
